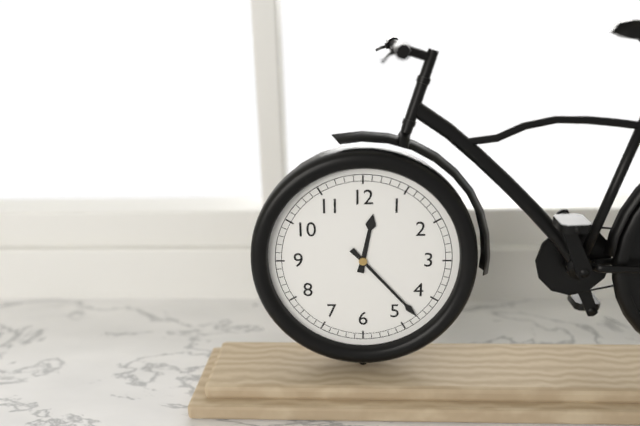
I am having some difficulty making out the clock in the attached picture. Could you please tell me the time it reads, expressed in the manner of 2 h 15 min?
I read 12 h 23 min
